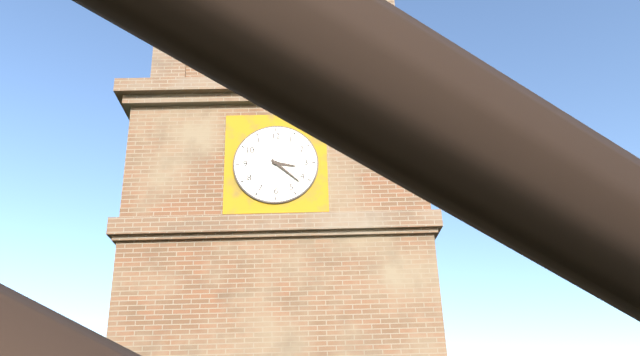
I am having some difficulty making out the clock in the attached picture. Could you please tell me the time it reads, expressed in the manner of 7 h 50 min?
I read 3 h 22 min
